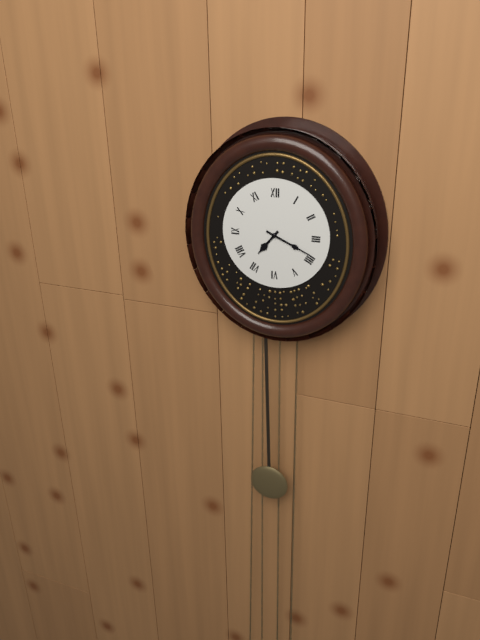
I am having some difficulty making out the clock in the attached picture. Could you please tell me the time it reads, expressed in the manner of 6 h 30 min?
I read 7 h 19 min
